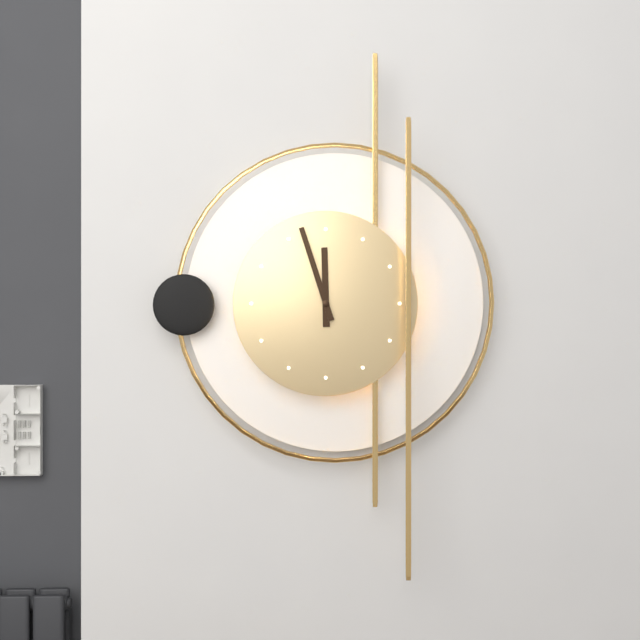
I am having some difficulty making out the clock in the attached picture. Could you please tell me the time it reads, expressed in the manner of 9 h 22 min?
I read 11 h 57 min
